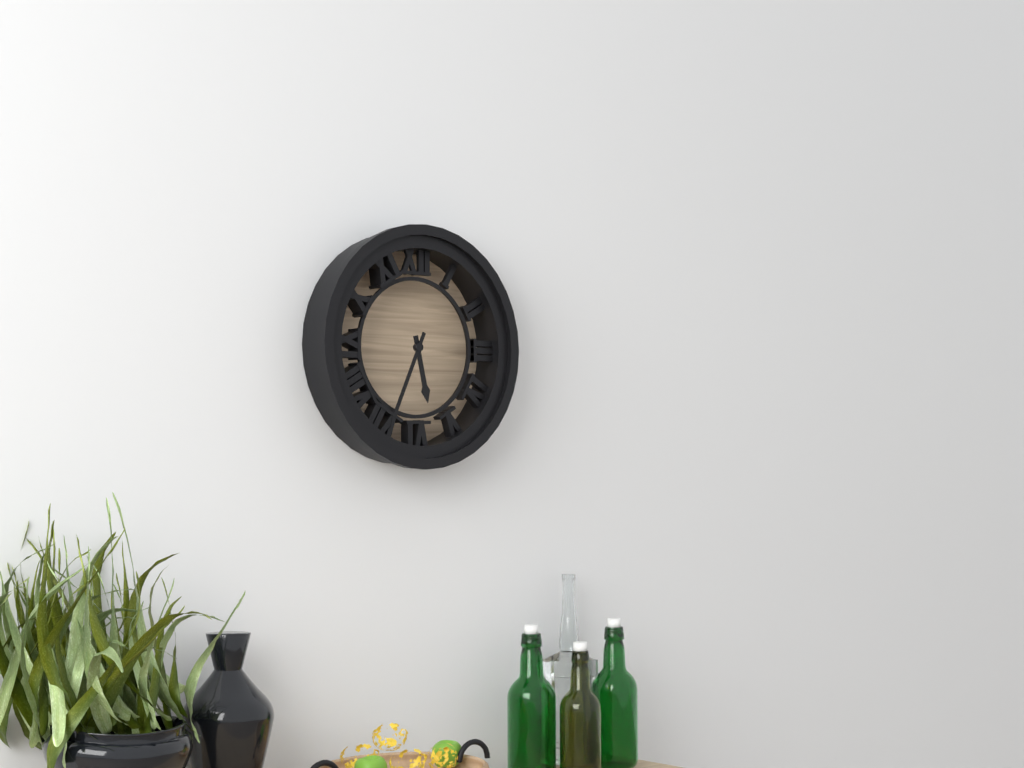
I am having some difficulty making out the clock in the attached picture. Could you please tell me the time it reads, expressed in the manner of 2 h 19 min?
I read 5 h 34 min
